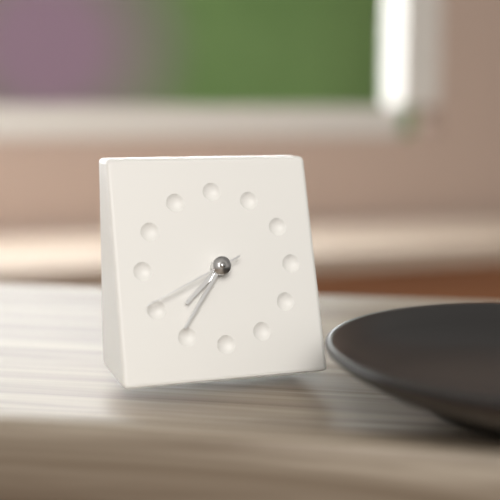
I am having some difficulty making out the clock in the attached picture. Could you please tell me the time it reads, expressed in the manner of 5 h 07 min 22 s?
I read 7 h 36 min 41 s
